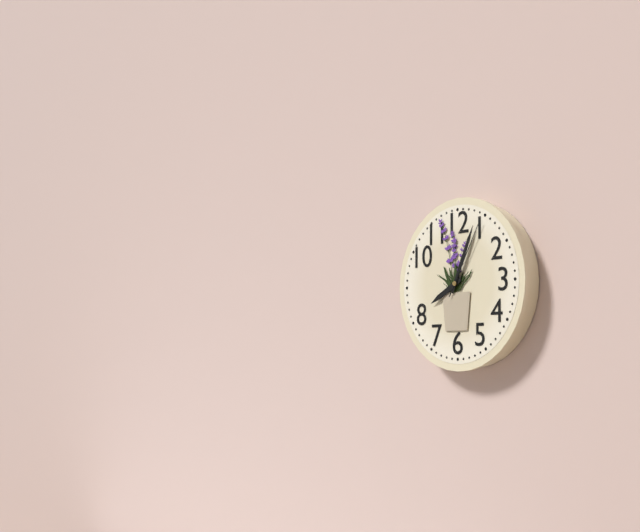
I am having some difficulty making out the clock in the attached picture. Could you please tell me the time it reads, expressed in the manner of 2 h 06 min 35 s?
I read 8 h 04 min 05 s
